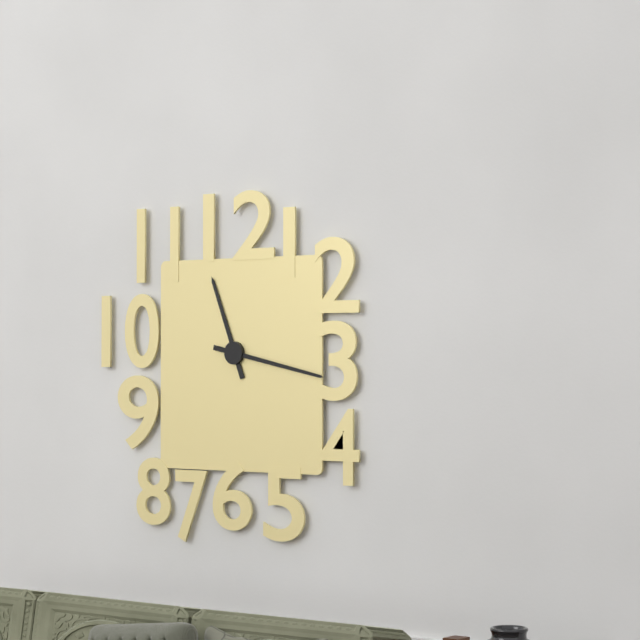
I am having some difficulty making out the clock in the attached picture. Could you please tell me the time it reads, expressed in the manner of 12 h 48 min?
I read 11 h 17 min
